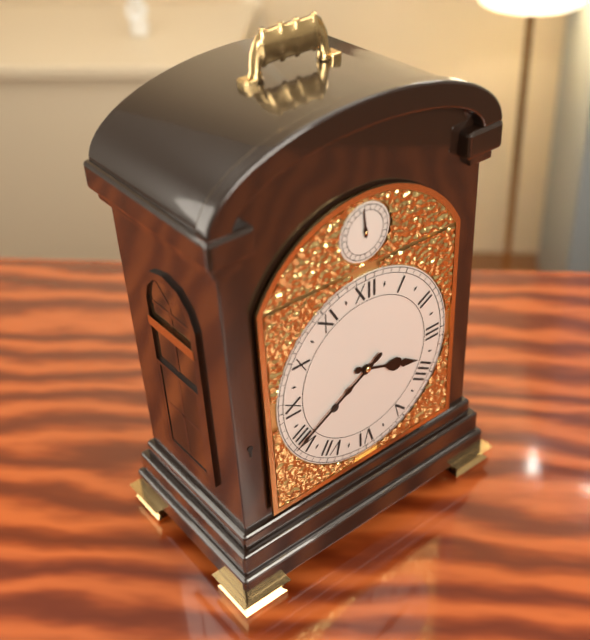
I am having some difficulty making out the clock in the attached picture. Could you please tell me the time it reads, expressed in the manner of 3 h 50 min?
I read 3 h 40 min
